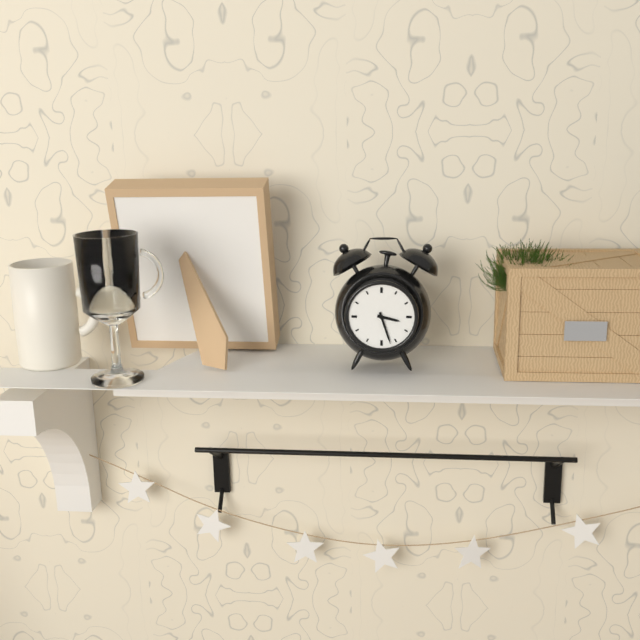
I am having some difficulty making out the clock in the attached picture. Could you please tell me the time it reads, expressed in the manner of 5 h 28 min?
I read 3 h 27 min
